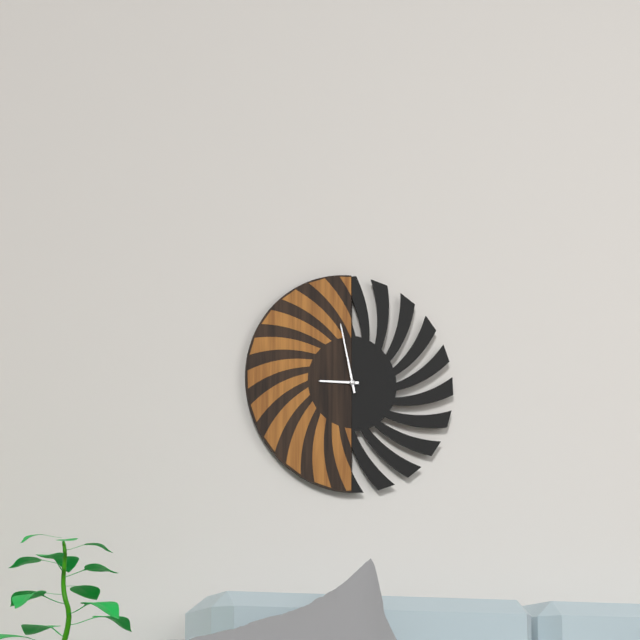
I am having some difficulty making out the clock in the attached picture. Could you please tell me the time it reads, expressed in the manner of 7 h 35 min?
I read 8 h 58 min
